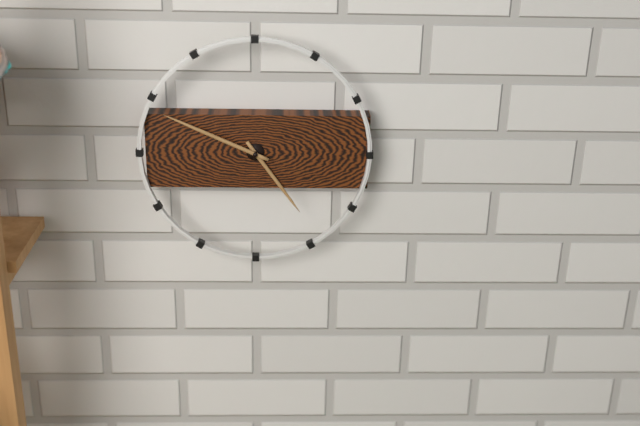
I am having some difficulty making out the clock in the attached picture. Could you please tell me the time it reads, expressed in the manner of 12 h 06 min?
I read 4 h 49 min
